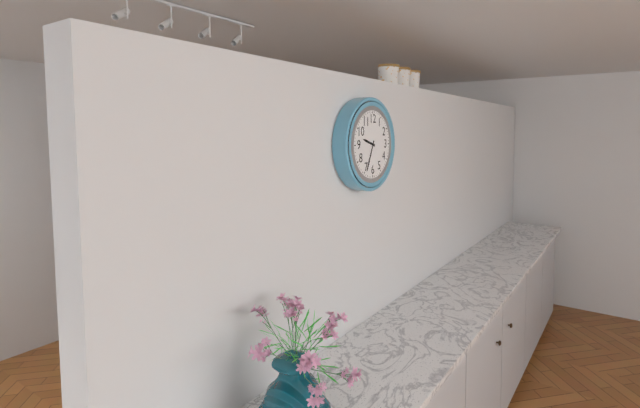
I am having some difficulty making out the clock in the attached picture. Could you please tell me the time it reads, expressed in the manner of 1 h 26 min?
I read 9 h 34 min
